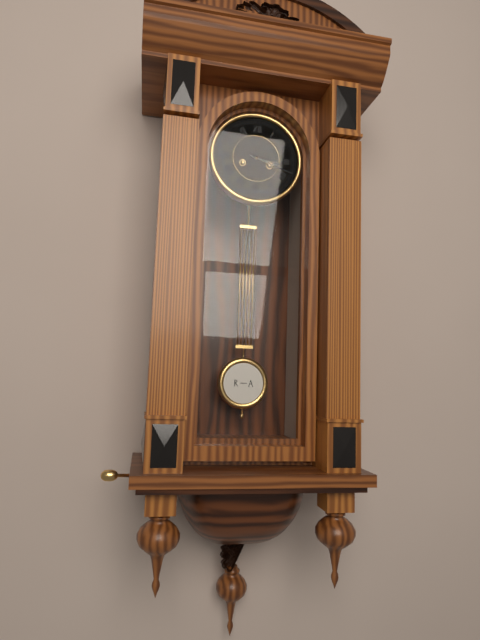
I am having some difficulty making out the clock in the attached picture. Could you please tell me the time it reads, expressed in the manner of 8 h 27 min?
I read 3 h 18 min
